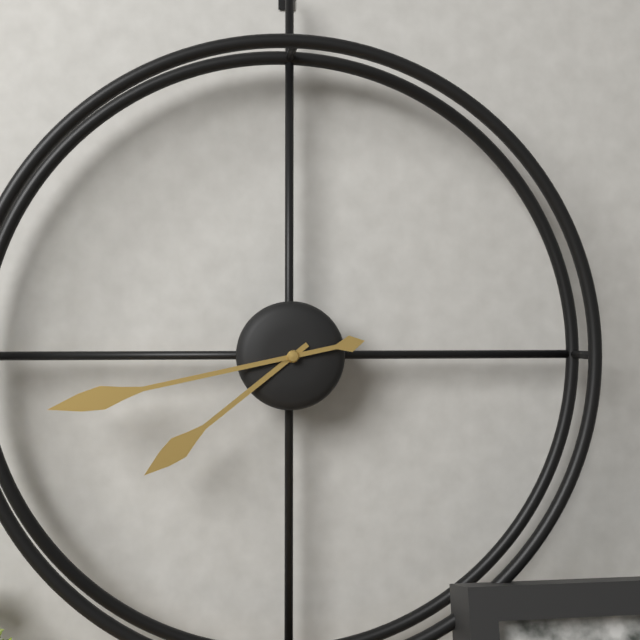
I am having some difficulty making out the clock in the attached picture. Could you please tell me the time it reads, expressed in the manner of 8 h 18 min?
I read 7 h 43 min
